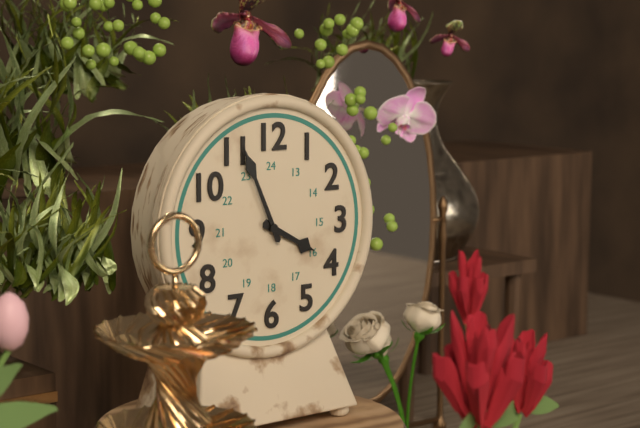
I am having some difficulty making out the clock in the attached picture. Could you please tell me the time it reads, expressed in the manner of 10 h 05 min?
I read 3 h 56 min
